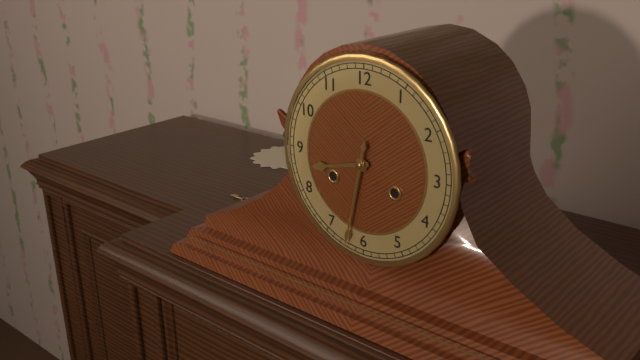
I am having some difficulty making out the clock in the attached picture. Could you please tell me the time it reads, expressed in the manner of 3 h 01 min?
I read 8 h 32 min
